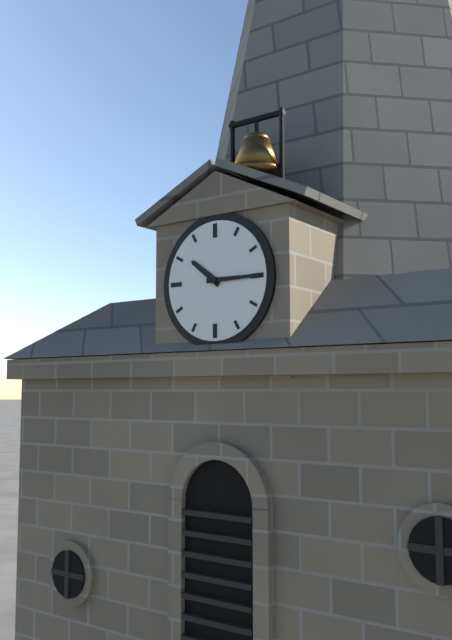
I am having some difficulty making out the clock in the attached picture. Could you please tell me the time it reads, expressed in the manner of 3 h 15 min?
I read 10 h 15 min
